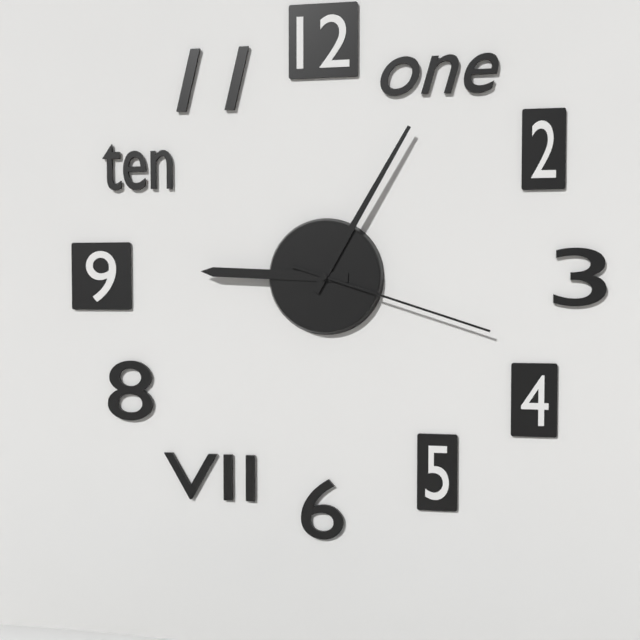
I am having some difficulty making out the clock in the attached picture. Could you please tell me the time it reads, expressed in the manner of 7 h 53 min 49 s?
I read 9 h 05 min 18 s
